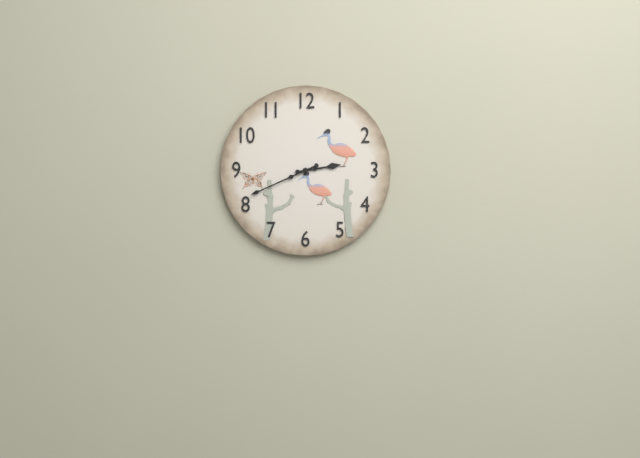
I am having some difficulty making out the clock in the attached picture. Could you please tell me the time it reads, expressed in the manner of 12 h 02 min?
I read 2 h 41 min
